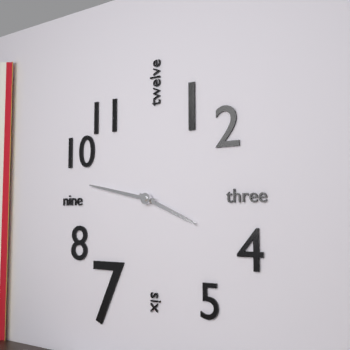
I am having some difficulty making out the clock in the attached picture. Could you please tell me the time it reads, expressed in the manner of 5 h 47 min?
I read 3 h 47 min
